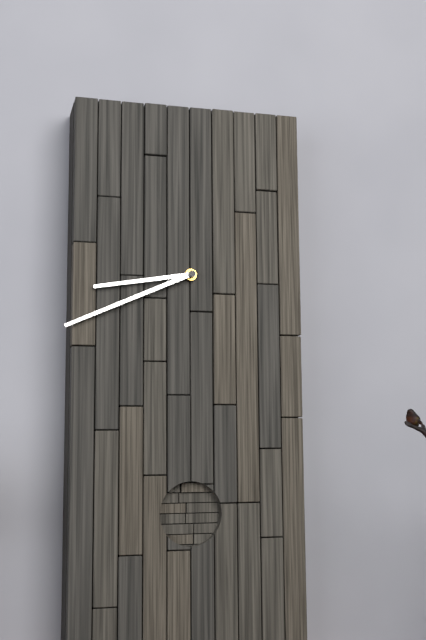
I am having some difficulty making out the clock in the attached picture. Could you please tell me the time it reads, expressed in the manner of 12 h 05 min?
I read 8 h 41 min
